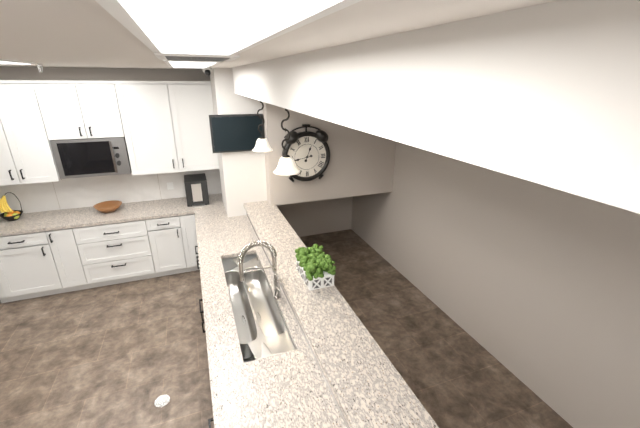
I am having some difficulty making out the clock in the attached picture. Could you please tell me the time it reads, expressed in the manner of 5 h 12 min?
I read 12 h 43 min
